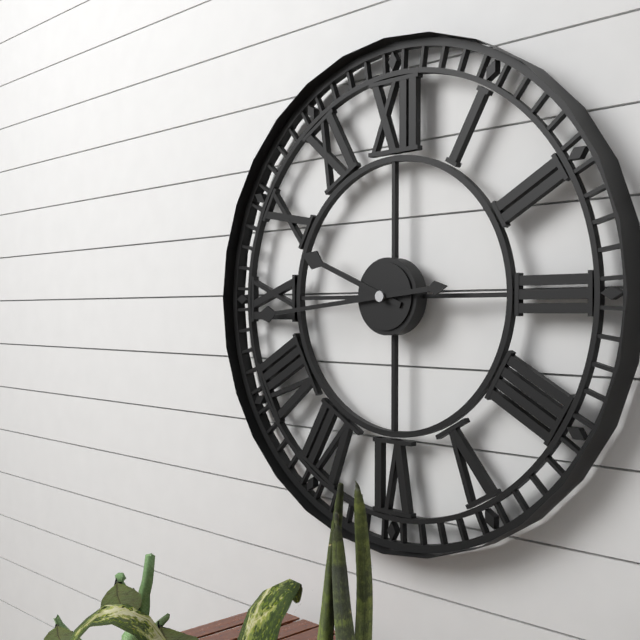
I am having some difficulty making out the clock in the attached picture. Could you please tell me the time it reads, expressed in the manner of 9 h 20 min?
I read 9 h 44 min
